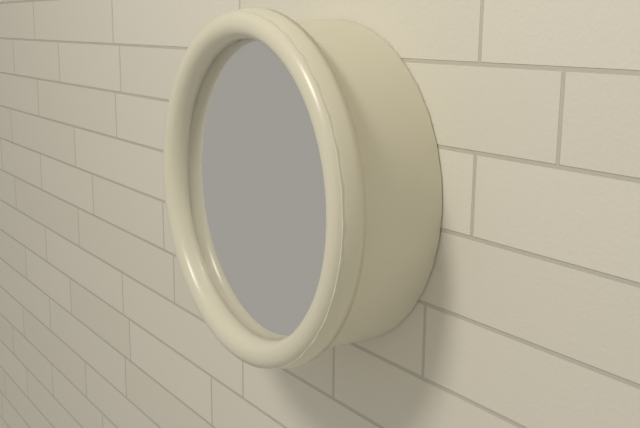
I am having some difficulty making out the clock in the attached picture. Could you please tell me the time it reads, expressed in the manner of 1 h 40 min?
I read 5 h 13 min
